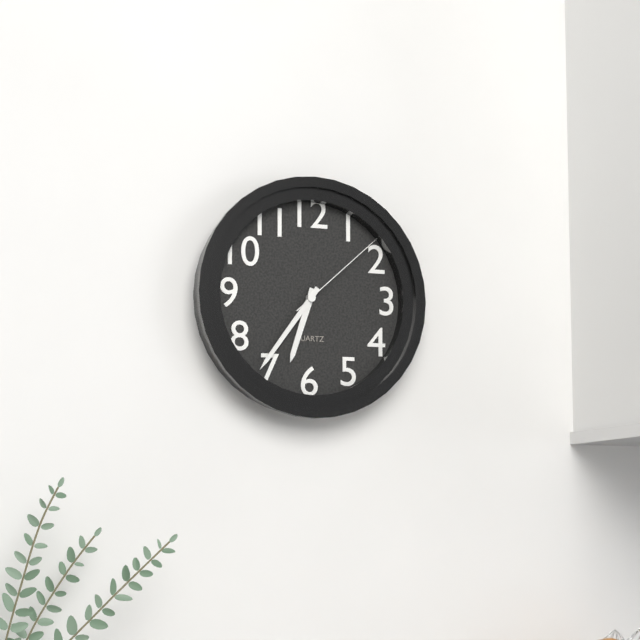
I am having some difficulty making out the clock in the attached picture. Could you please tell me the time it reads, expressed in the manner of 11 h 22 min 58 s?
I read 6 h 36 min 08 s
